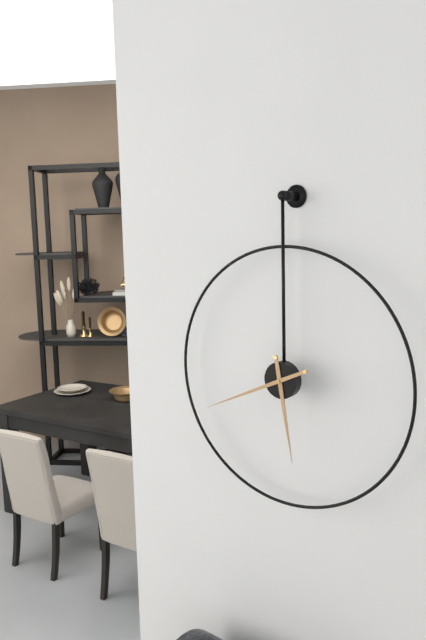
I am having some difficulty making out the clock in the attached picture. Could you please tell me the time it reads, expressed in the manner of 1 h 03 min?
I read 5 h 41 min
